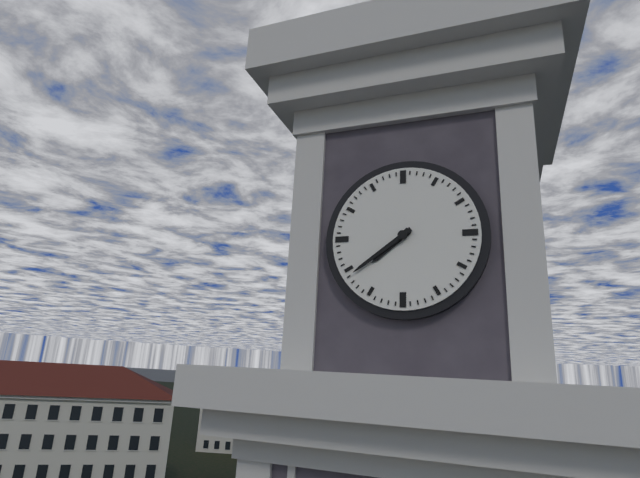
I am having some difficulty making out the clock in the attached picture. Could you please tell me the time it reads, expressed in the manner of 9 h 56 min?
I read 7 h 39 min
